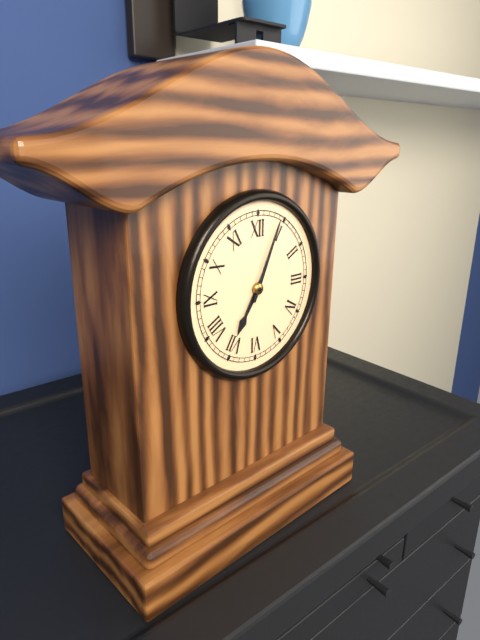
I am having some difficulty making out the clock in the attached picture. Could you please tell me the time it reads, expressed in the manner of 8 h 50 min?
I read 7 h 04 min
